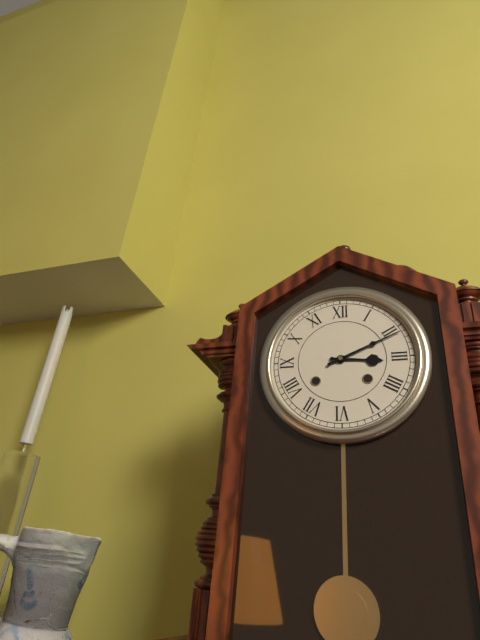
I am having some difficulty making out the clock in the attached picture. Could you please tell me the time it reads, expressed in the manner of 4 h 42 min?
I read 3 h 11 min
